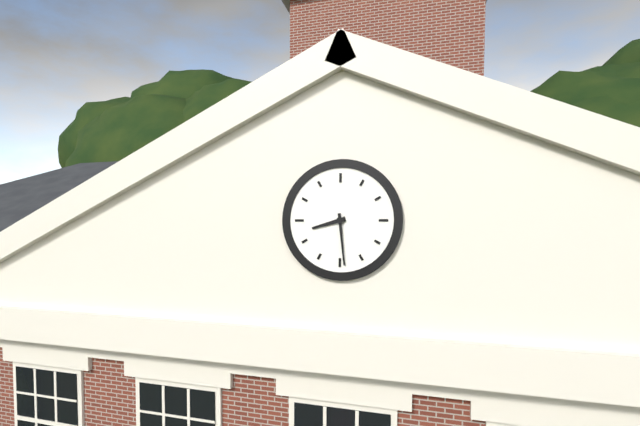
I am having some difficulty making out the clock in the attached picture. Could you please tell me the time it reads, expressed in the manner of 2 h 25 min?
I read 8 h 29 min
